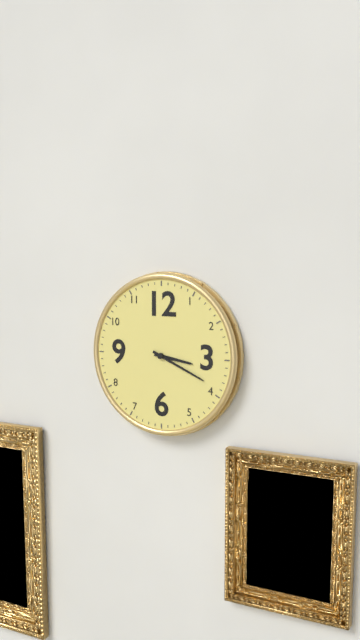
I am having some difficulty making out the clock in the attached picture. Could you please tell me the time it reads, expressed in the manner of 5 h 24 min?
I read 3 h 19 min
